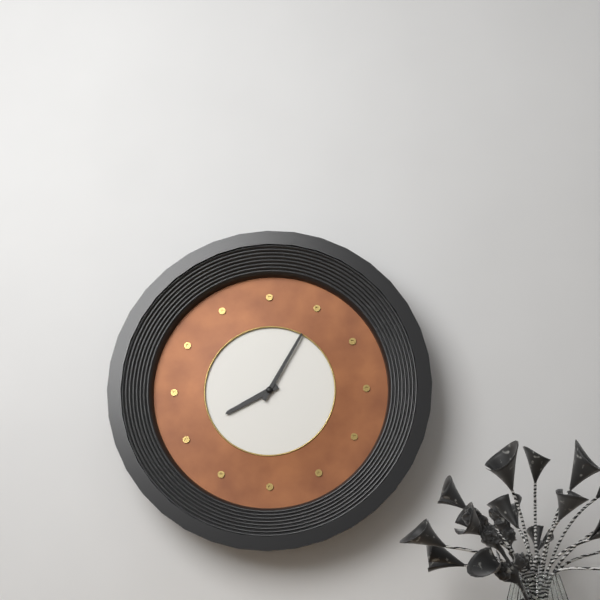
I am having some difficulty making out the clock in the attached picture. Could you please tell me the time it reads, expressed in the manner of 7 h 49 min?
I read 8 h 05 min
